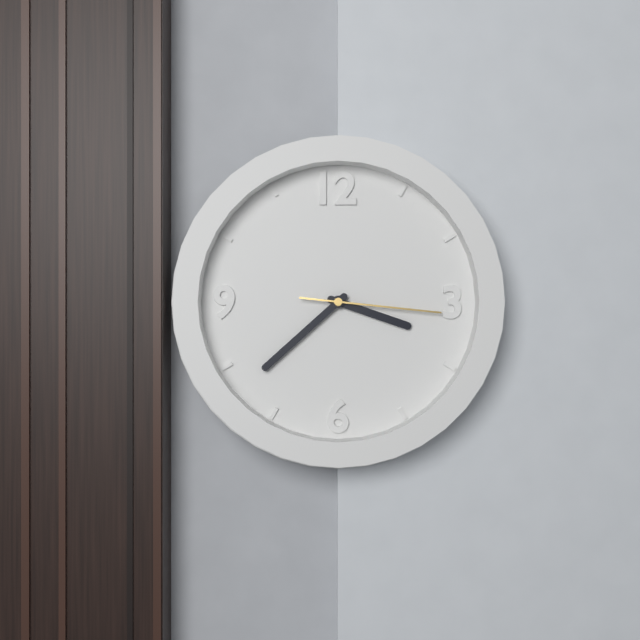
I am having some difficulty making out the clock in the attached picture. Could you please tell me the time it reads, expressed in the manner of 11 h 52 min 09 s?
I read 3 h 38 min 16 s
